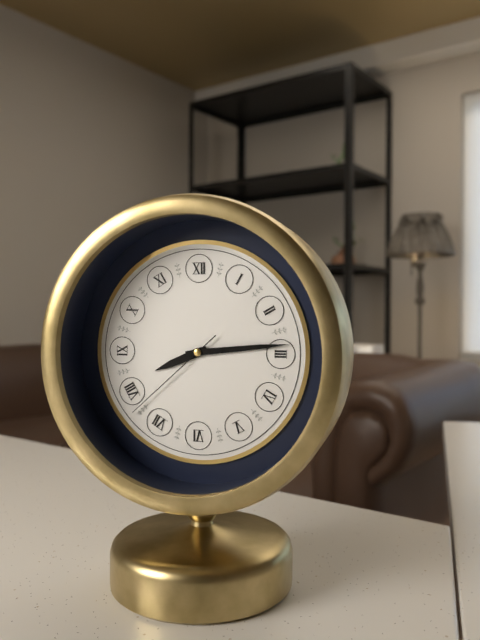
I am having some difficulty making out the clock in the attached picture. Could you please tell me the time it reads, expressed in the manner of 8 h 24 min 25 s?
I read 8 h 14 min 38 s
